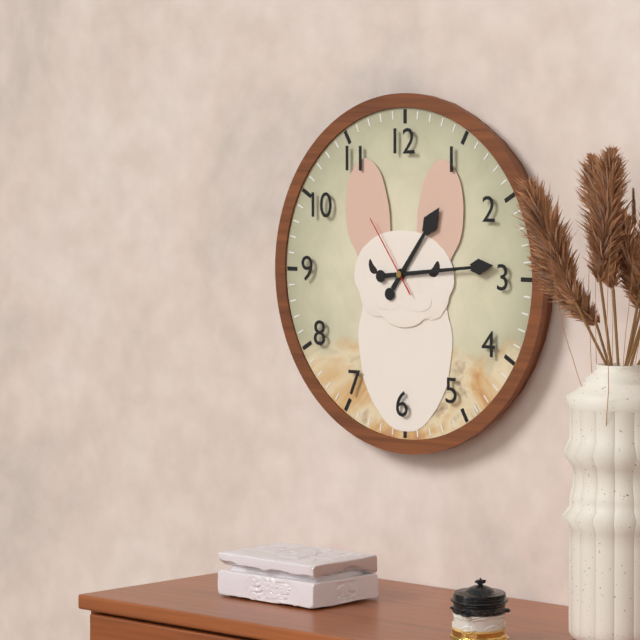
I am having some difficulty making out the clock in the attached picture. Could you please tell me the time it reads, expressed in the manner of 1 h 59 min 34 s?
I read 1 h 14 min 54 s
